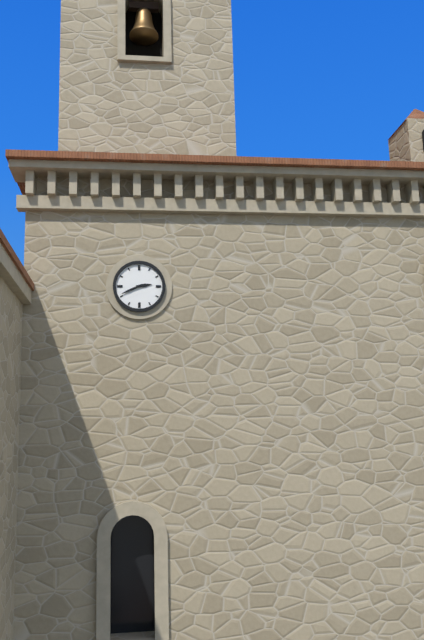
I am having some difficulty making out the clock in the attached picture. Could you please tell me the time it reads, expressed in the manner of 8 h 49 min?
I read 2 h 41 min
